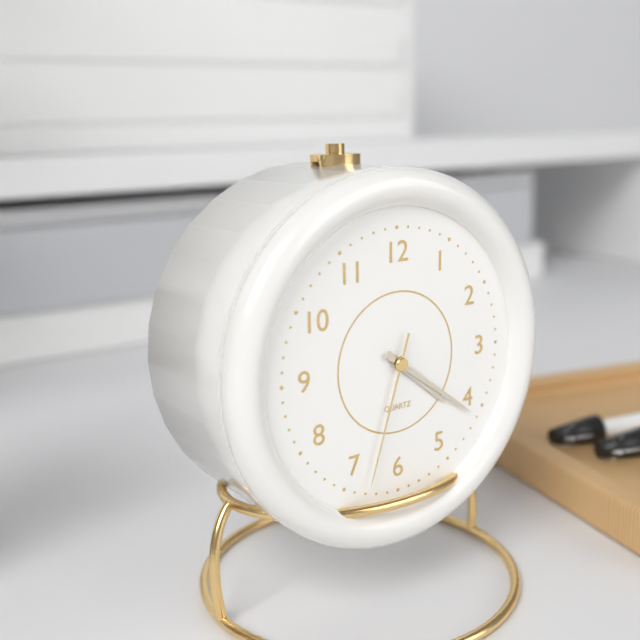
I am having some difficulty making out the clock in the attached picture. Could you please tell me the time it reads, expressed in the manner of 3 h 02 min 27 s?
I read 4 h 21 min 33 s
